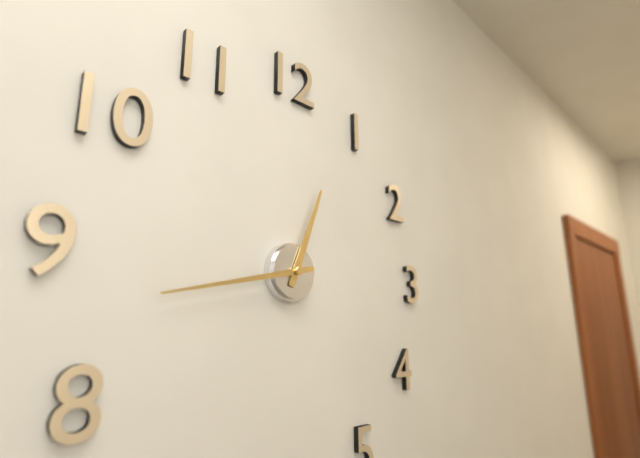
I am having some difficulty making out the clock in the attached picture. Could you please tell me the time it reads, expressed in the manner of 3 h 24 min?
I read 12 h 43 min
